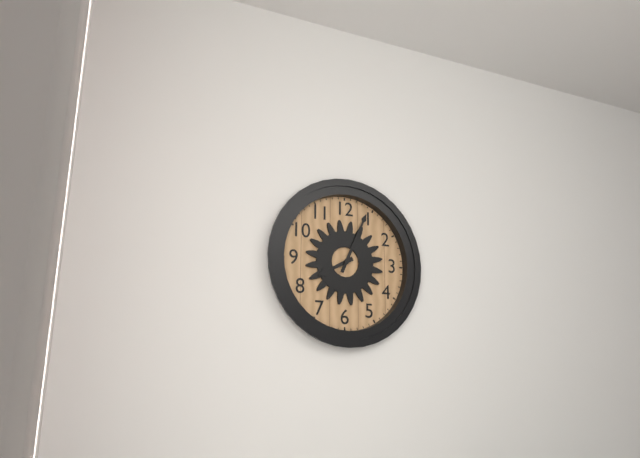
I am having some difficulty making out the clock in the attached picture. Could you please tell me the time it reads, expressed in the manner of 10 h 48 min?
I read 8 h 04 min
